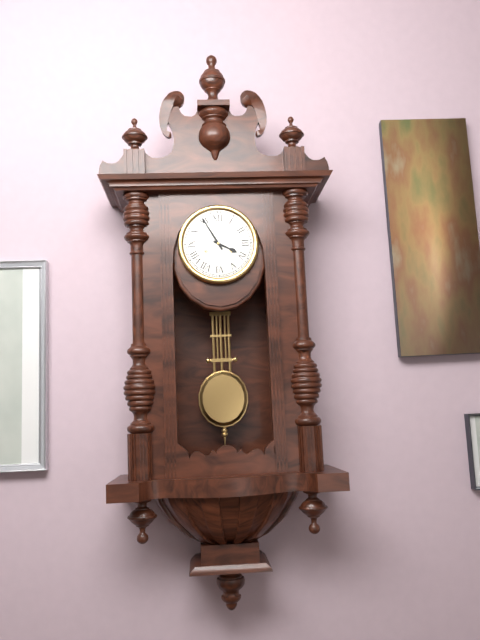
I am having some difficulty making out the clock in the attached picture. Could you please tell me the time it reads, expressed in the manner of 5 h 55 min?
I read 3 h 55 min
